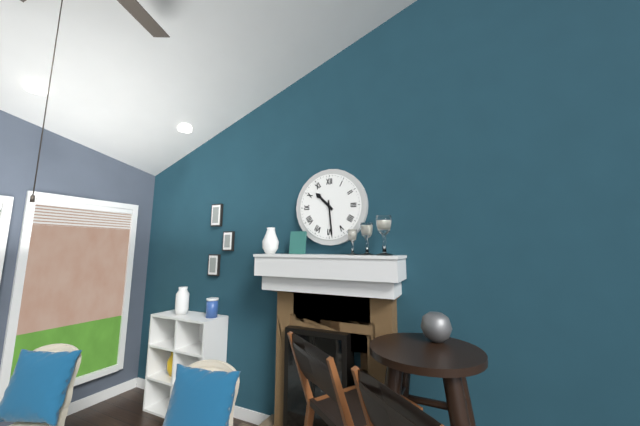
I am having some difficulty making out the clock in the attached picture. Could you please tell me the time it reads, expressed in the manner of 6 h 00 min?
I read 10 h 29 min
